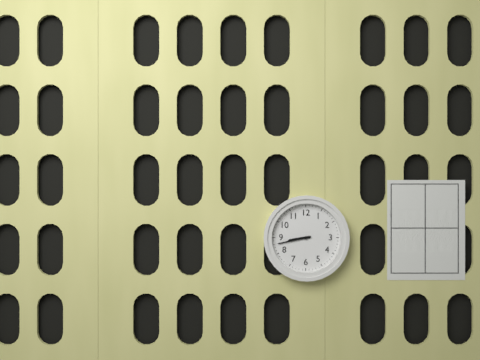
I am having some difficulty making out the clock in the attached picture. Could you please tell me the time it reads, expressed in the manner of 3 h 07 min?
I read 8 h 43 min
